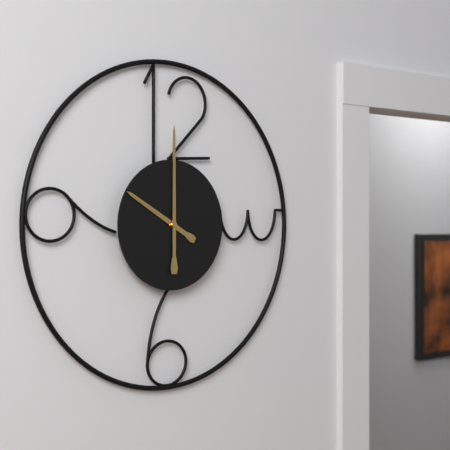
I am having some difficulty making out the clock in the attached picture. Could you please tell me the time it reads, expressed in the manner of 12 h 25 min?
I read 10 h 00 min
